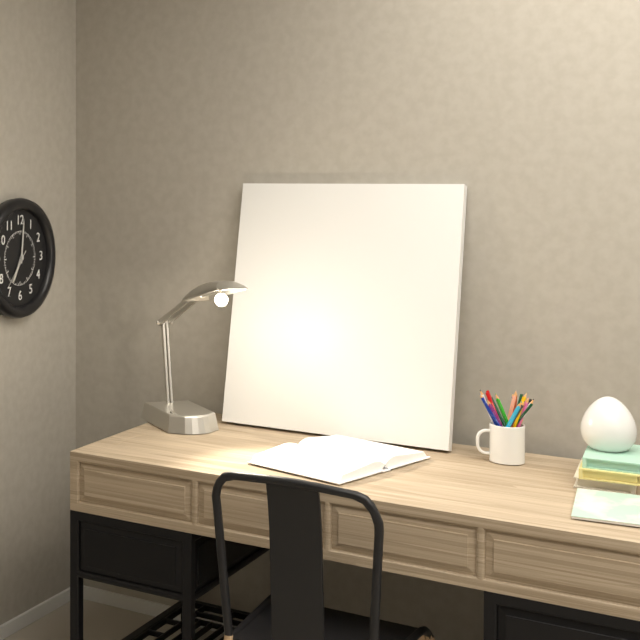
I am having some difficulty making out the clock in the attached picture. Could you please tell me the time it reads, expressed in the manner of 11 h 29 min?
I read 7 h 01 min
